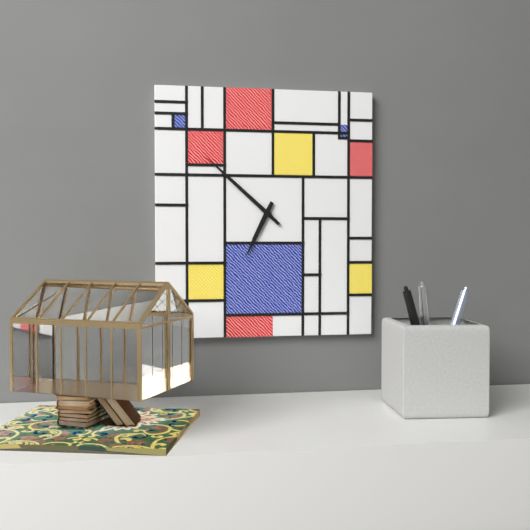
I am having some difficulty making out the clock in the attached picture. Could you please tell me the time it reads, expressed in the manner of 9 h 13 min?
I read 6 h 52 min
